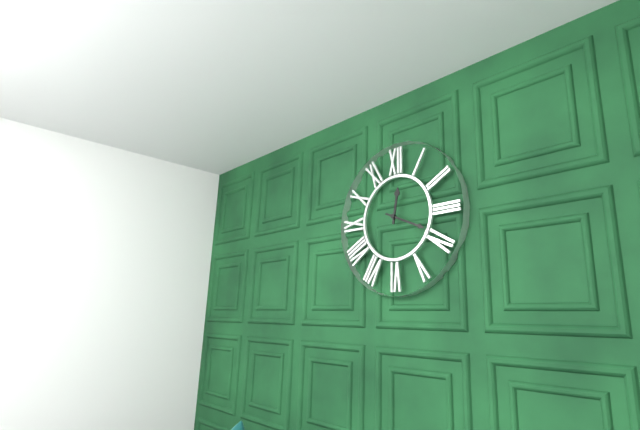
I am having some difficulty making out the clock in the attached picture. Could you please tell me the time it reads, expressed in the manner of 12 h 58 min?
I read 12 h 19 min
